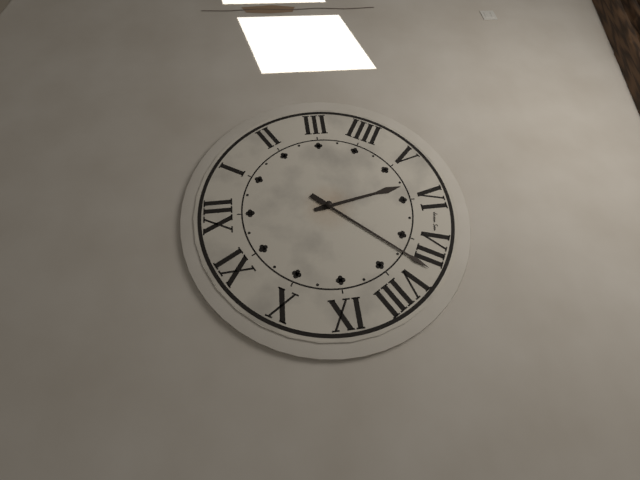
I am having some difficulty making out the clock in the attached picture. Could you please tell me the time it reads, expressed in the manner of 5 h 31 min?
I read 5 h 37 min
